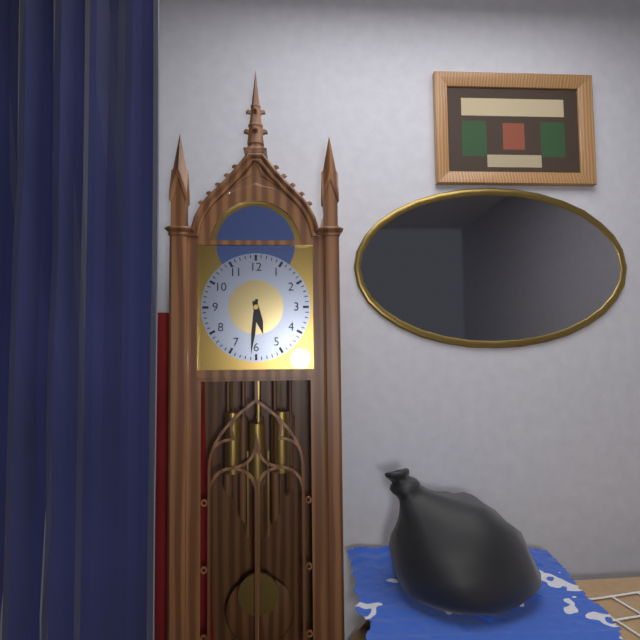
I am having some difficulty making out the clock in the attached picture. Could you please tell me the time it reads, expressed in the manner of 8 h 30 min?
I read 5 h 31 min
